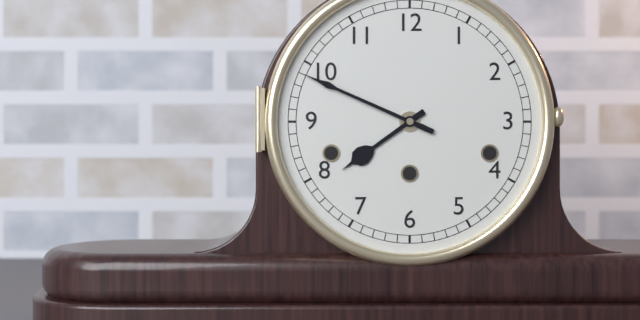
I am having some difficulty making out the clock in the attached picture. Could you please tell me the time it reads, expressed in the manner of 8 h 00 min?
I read 7 h 49 min
